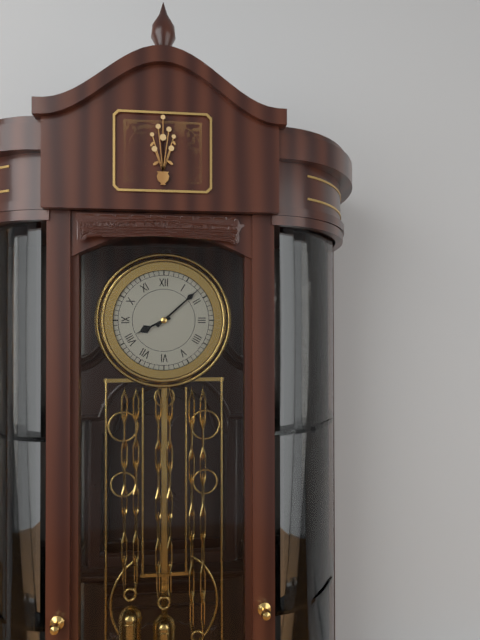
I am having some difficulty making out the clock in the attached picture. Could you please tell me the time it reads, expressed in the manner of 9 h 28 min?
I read 8 h 08 min
